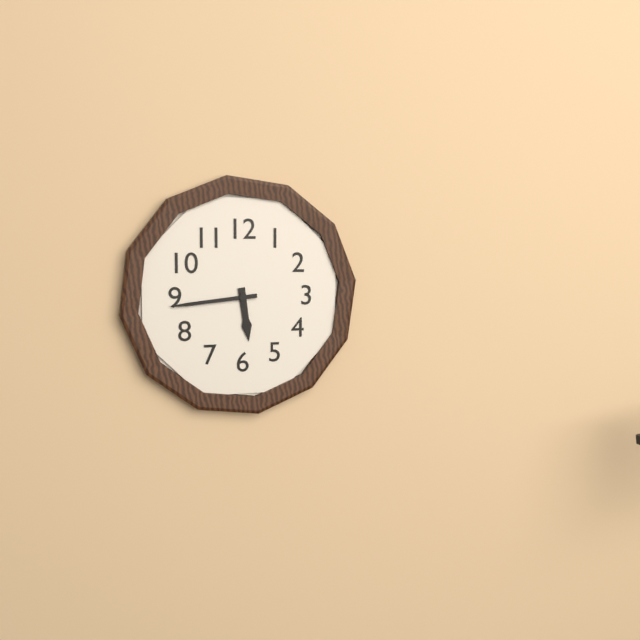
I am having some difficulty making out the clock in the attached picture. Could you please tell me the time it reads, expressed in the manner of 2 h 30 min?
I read 5 h 44 min
